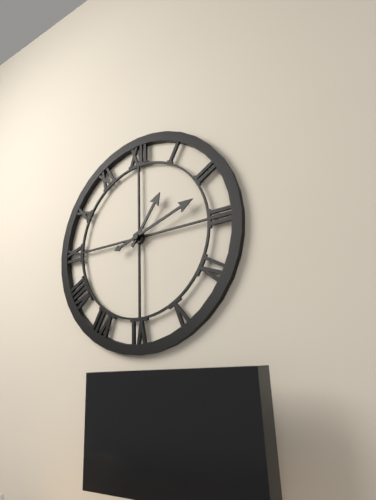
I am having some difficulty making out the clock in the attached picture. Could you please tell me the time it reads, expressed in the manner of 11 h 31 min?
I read 1 h 12 min
